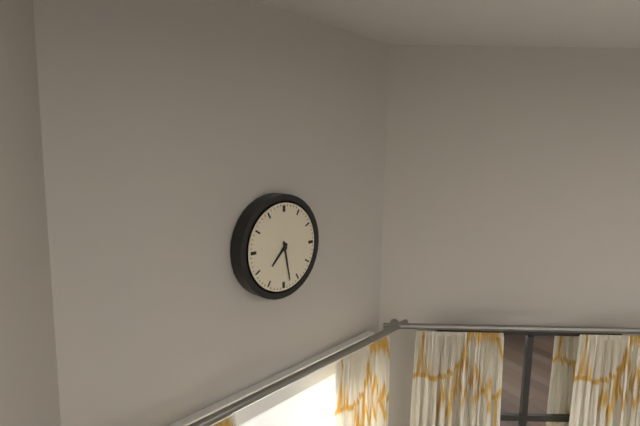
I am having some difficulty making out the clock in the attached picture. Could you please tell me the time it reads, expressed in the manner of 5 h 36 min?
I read 7 h 28 min
